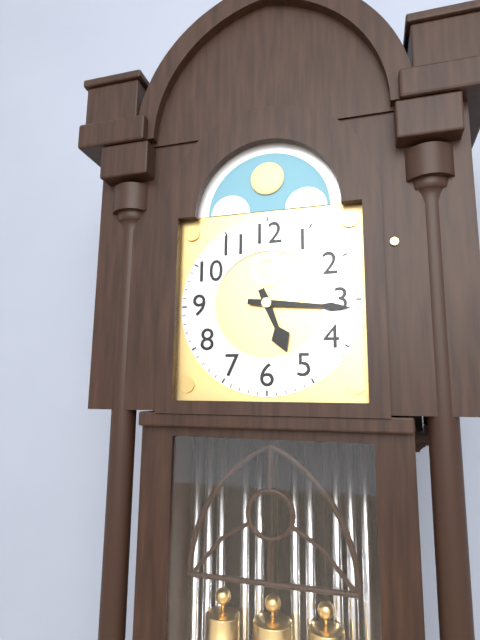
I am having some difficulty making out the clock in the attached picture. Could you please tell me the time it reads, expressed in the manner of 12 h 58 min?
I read 5 h 16 min
